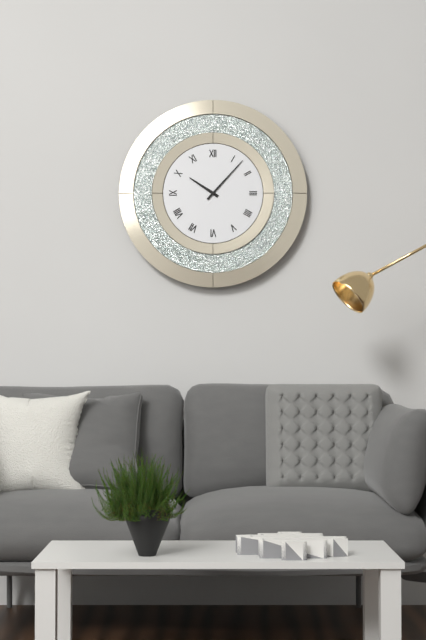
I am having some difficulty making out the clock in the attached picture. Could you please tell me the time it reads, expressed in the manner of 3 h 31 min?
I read 10 h 07 min
